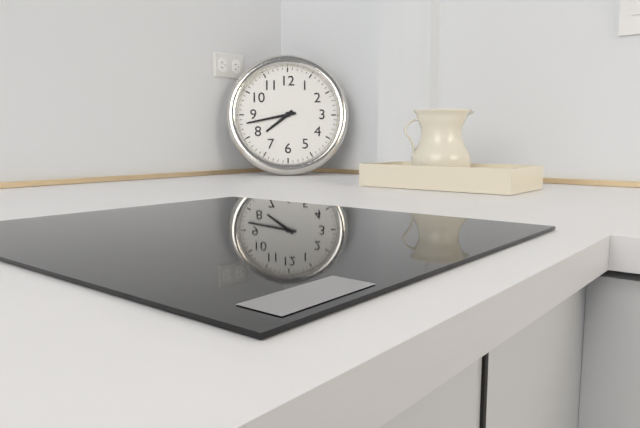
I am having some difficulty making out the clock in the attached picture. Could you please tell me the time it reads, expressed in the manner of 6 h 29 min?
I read 7 h 43 min
